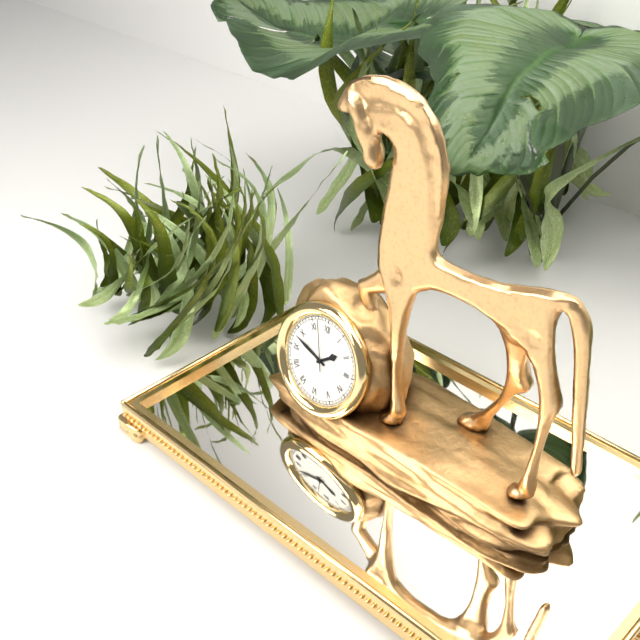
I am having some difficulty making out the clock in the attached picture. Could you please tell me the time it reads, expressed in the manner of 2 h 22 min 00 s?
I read 1 h 48 min 57 s
